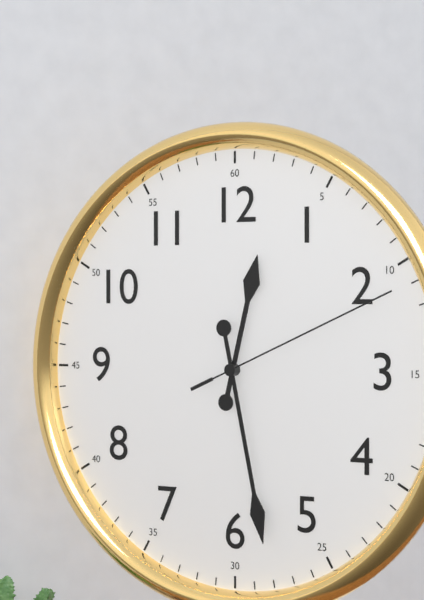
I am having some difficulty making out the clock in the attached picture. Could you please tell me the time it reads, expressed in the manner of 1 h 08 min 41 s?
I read 12 h 28 min 11 s
